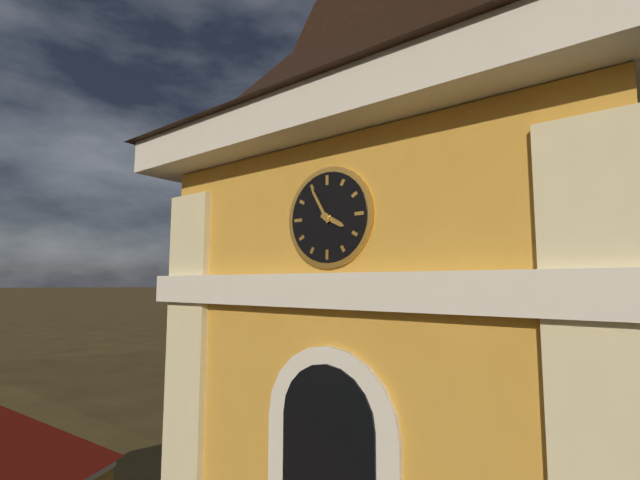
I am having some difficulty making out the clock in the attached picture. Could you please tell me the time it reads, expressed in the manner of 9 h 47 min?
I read 3 h 55 min
